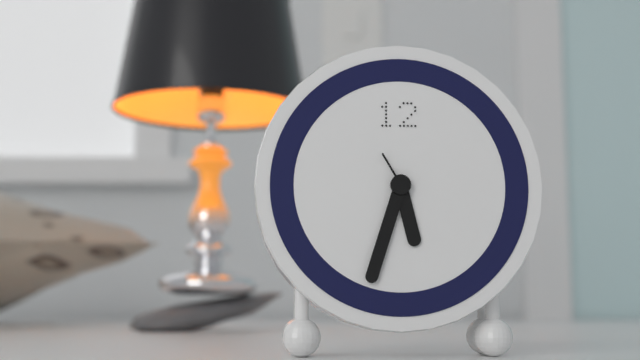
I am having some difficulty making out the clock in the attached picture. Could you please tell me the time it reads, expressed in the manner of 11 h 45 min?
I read 5 h 33 min
